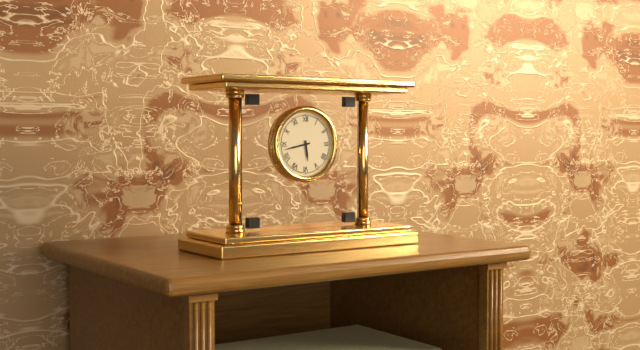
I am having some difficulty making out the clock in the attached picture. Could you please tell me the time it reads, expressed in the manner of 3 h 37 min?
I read 5 h 43 min
